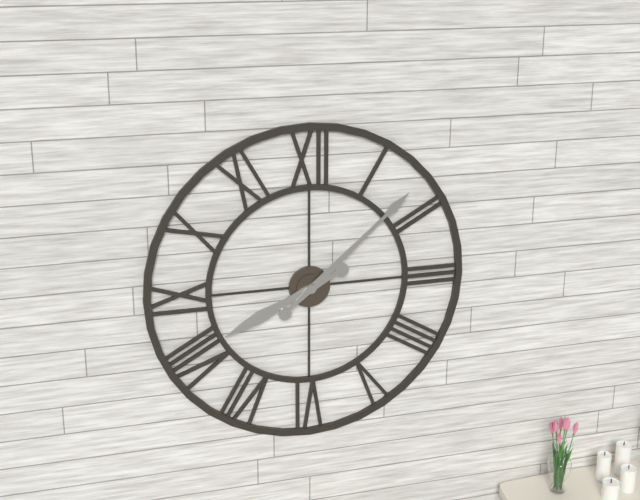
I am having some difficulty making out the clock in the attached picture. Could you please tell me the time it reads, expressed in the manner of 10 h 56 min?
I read 8 h 08 min
